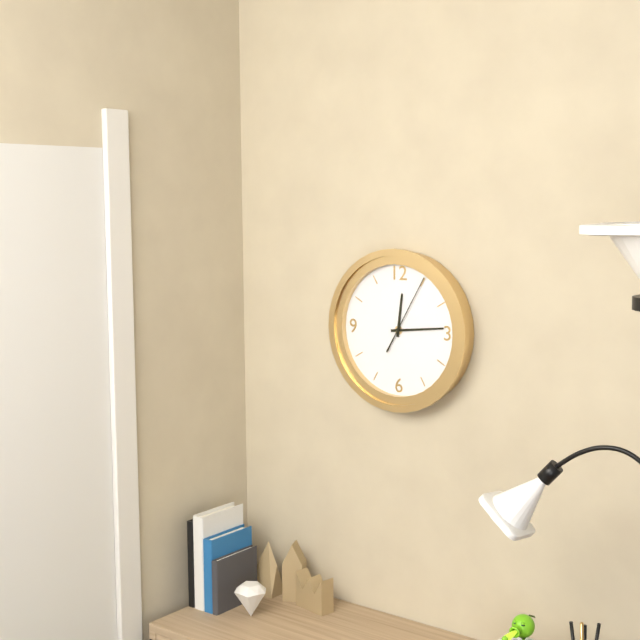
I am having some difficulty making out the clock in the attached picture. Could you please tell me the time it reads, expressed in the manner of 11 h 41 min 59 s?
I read 12 h 14 min 05 s
